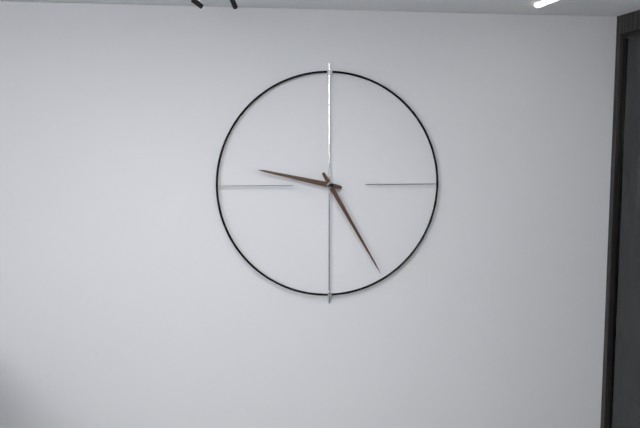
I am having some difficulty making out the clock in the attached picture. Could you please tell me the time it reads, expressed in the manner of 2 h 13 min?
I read 9 h 25 min
